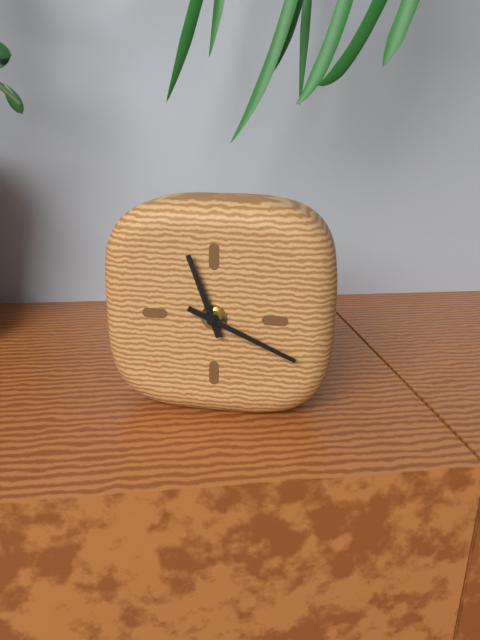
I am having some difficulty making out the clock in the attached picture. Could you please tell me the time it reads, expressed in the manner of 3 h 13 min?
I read 11 h 19 min
